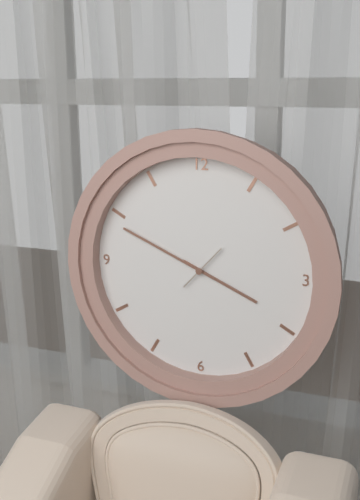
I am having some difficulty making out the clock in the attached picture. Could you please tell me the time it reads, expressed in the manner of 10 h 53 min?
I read 3 h 49 min
